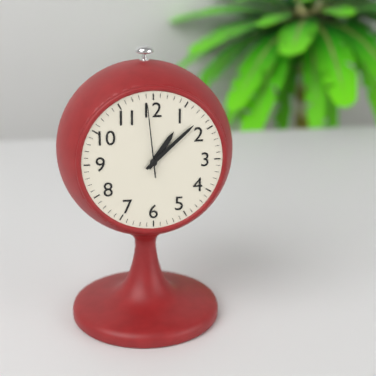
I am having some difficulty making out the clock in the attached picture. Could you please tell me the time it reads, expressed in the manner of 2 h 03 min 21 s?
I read 1 h 08 min 59 s
